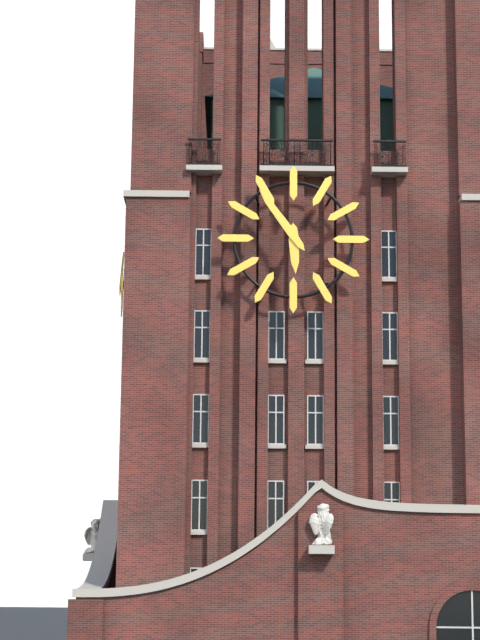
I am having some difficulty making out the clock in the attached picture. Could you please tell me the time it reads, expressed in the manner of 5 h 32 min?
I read 5 h 54 min
